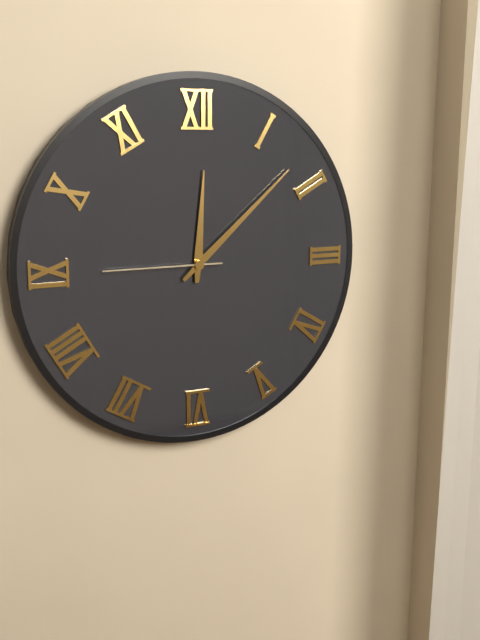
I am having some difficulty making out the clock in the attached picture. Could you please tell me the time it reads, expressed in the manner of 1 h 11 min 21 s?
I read 12 h 08 min 45 s
